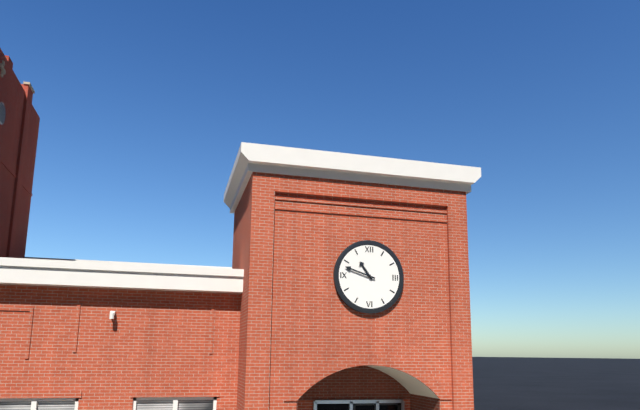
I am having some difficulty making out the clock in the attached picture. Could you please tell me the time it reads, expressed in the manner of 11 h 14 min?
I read 10 h 48 min
